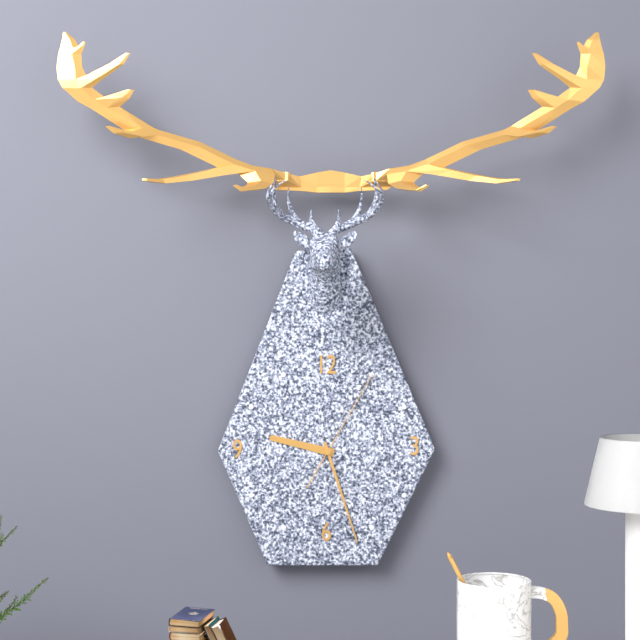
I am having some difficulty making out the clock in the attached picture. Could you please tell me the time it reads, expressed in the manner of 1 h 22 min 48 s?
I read 9 h 27 min 05 s
